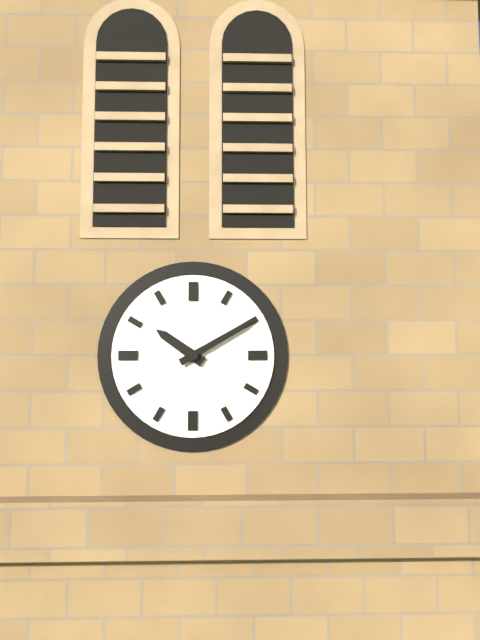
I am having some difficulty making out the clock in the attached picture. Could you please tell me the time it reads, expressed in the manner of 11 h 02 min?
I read 10 h 10 min
